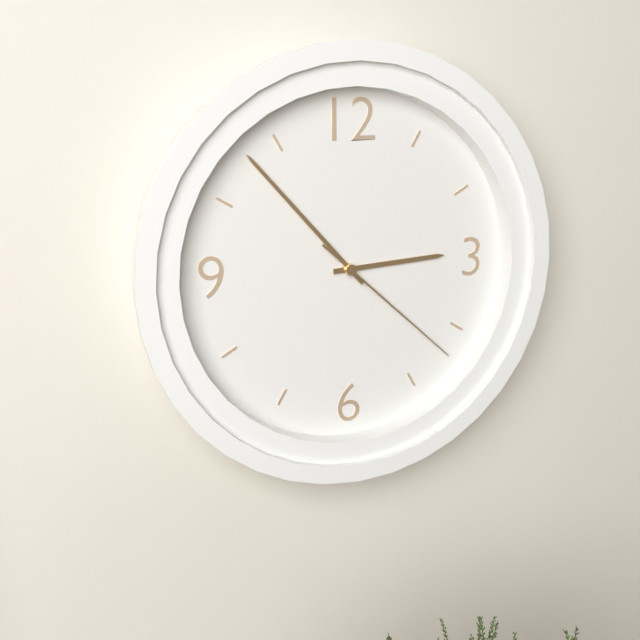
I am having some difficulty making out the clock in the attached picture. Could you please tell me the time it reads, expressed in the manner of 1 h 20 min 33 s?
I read 2 h 53 min 22 s
